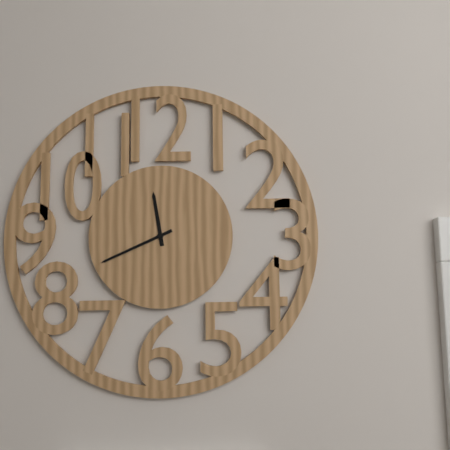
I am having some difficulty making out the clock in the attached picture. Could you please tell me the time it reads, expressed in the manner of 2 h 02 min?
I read 11 h 41 min
